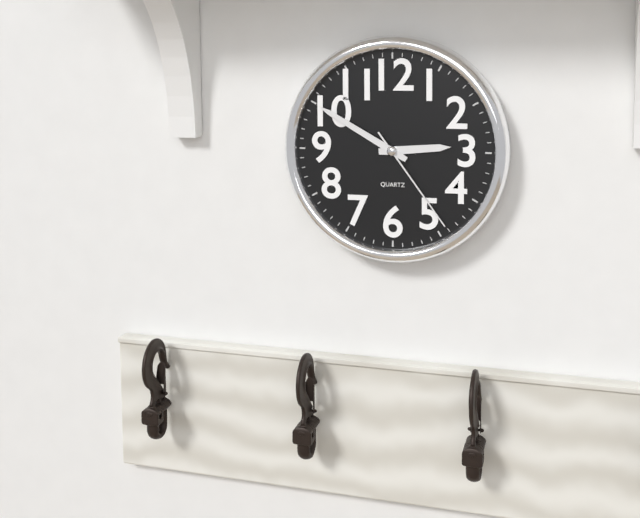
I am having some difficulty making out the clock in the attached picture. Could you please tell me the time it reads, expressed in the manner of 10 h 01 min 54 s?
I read 2 h 50 min 24 s
